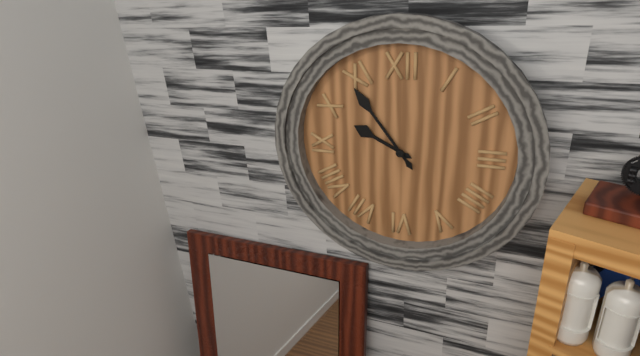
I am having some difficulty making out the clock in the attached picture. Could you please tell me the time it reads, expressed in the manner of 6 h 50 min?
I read 9 h 54 min
